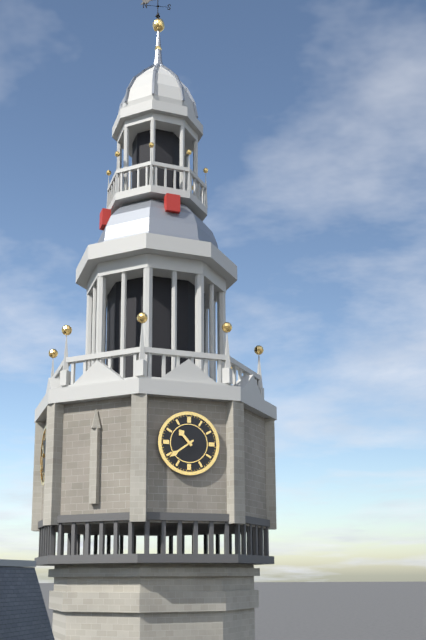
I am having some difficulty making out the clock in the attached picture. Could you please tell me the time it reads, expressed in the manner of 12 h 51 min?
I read 10 h 39 min
